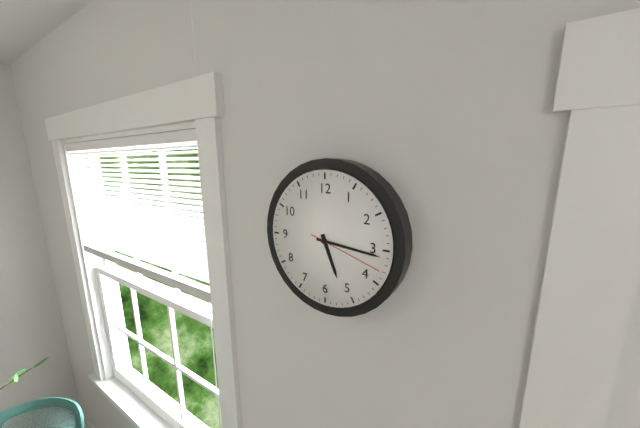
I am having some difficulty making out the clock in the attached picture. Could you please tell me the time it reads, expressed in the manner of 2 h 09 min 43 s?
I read 5 h 16 min 18 s
